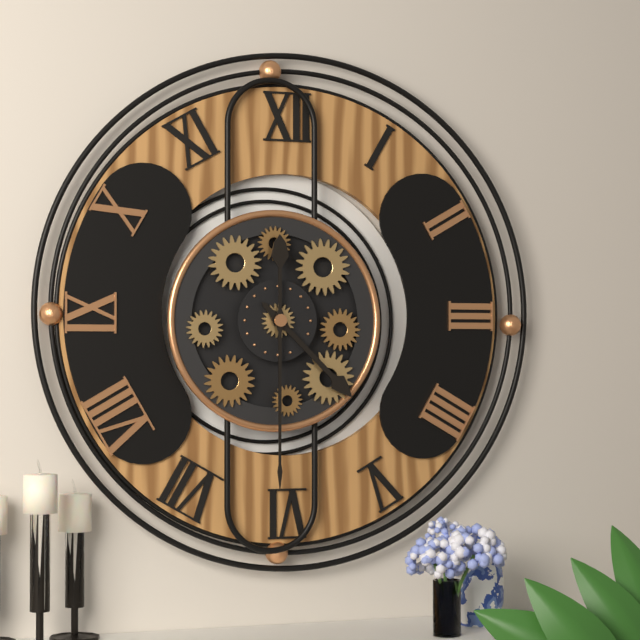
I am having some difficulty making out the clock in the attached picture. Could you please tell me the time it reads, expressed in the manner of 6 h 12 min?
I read 4 h 30 min
